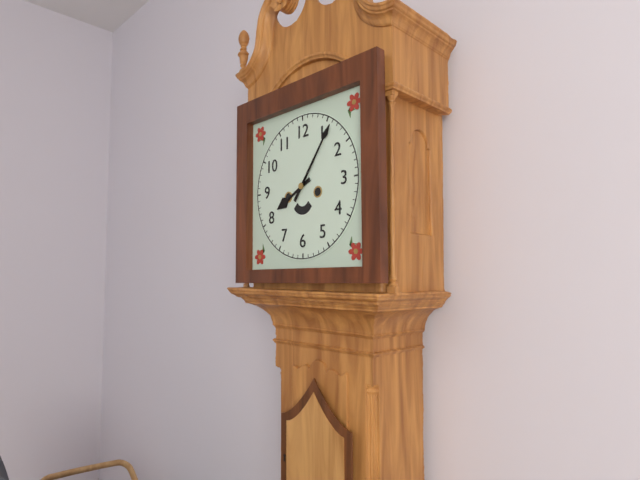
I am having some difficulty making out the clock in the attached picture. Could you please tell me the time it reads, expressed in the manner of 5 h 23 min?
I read 8 h 06 min
